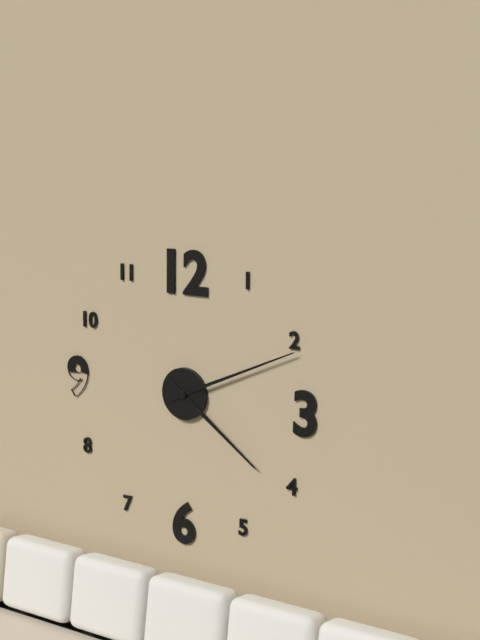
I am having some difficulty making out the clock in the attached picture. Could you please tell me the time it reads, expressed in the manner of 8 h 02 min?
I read 4 h 11 min
